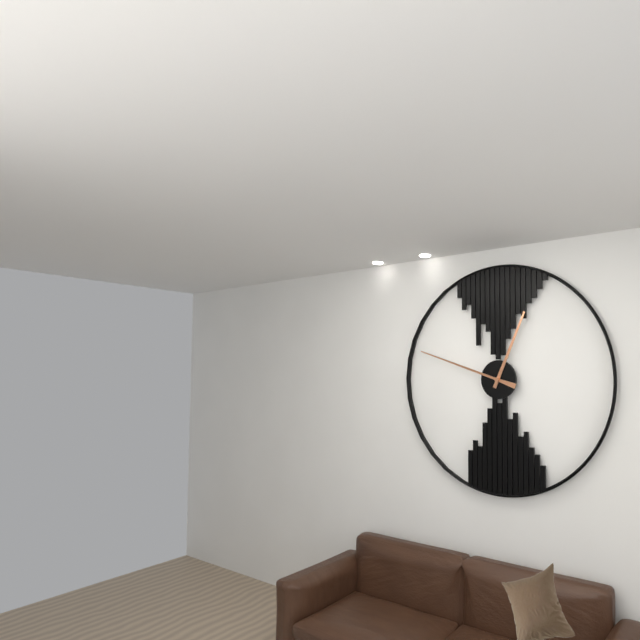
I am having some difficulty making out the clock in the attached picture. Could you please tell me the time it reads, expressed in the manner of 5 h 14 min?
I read 12 h 48 min
